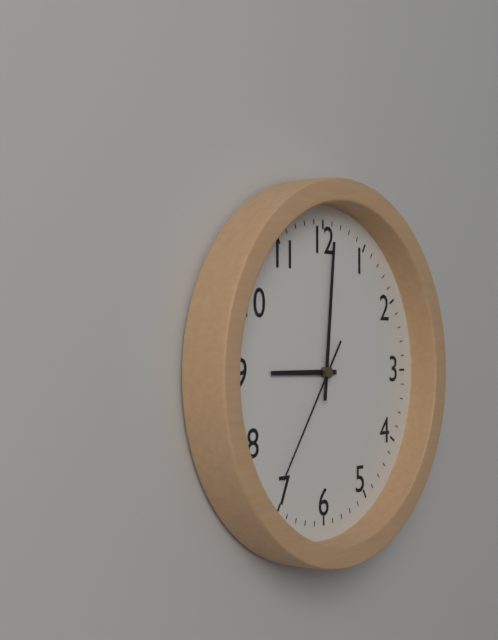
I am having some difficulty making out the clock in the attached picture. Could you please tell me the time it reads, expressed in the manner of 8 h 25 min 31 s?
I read 9 h 01 min 36 s
